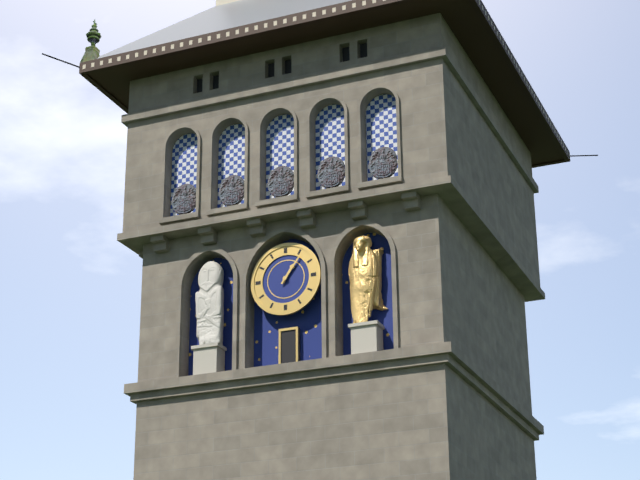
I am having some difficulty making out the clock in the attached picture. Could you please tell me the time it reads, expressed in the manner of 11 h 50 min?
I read 1 h 06 min
